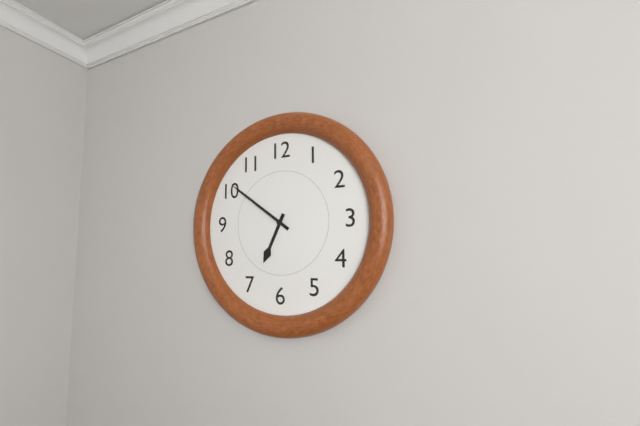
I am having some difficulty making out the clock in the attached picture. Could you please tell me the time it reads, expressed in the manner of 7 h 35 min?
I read 6 h 51 min
